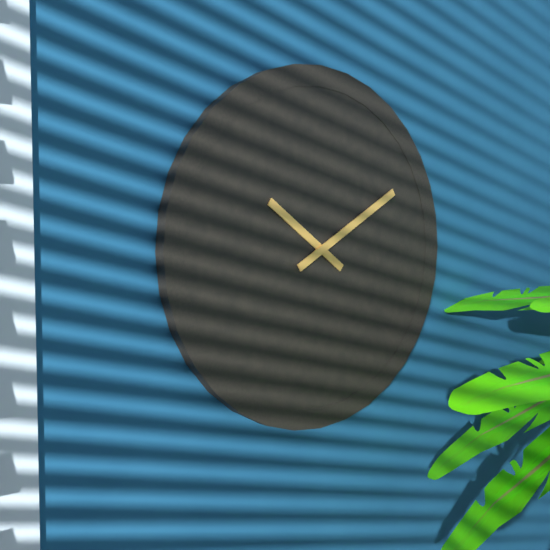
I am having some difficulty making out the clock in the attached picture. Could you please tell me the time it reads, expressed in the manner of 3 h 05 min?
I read 10 h 10 min
